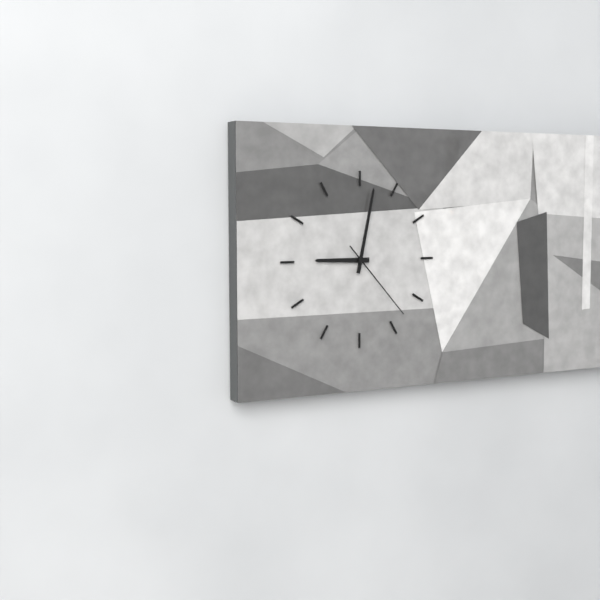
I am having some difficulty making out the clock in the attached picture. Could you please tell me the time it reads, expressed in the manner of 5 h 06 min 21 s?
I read 9 h 02 min 23 s
